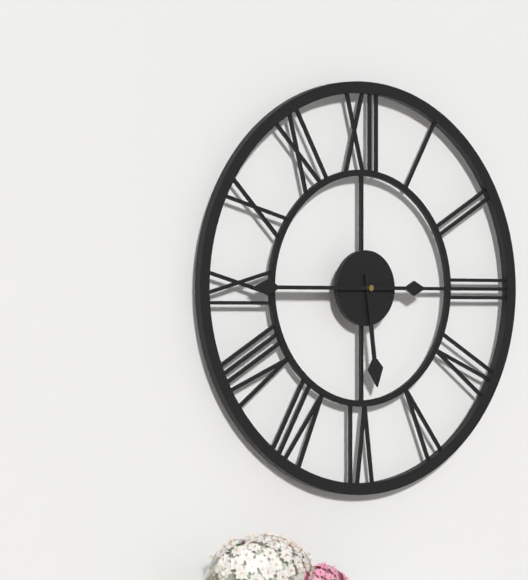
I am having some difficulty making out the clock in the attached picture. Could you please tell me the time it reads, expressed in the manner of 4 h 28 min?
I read 5 h 45 min
